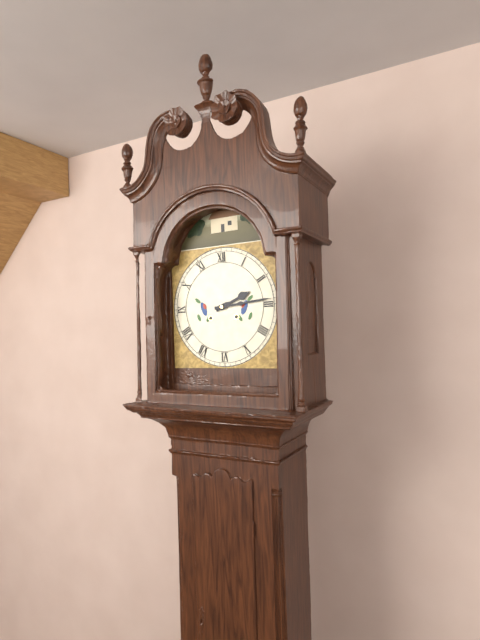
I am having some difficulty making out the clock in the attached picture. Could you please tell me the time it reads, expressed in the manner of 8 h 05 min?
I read 2 h 14 min
